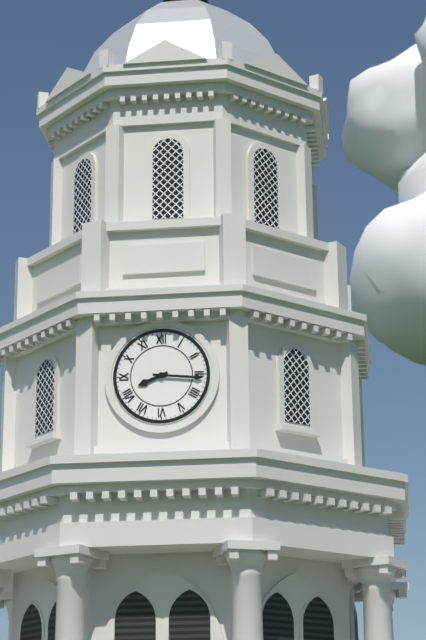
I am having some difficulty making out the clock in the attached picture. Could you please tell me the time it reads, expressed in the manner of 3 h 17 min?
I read 8 h 16 min
